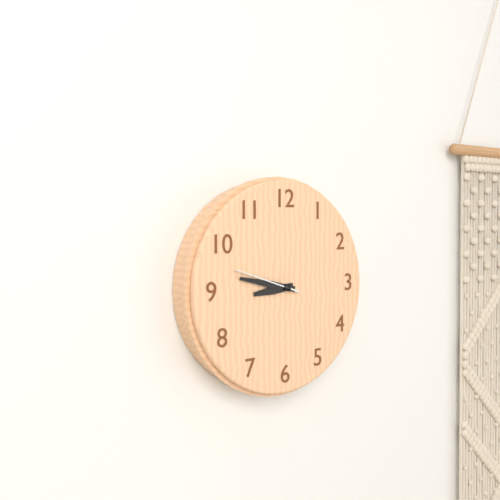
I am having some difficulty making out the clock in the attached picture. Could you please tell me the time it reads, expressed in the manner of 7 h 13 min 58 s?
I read 8 h 47 min 48 s
